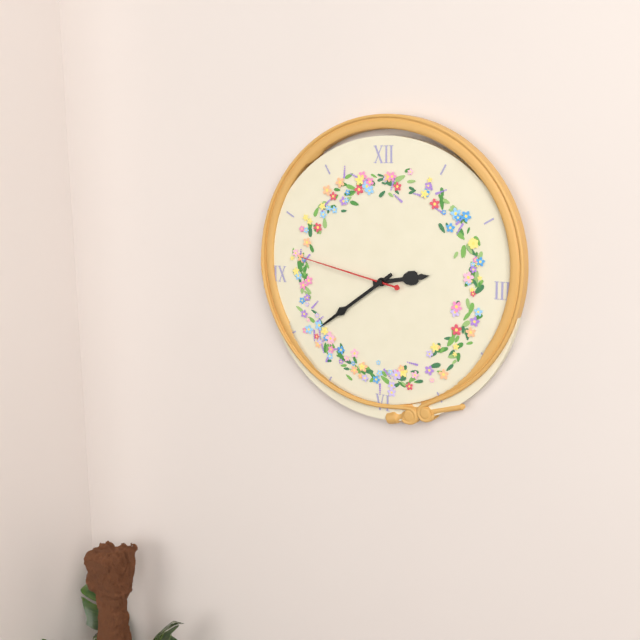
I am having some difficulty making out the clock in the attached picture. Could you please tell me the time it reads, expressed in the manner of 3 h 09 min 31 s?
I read 2 h 39 min 47 s
